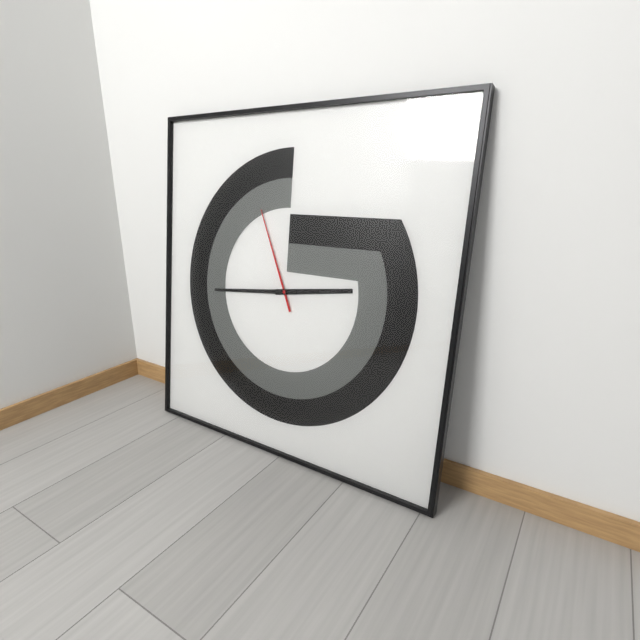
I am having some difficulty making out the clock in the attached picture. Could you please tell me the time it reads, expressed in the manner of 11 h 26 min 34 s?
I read 2 h 44 min 56 s
